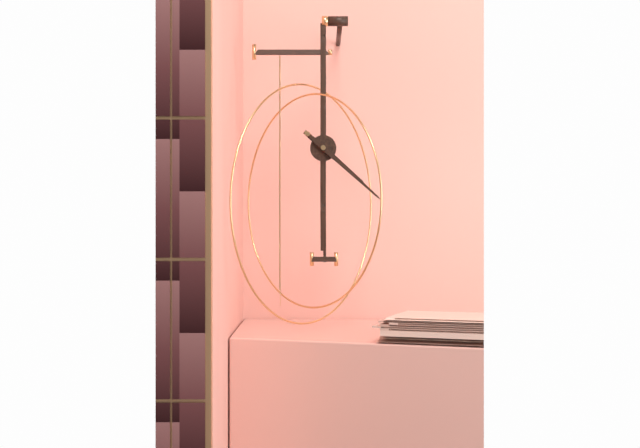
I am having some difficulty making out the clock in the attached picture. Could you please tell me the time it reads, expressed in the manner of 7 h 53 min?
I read 4 h 22 min
